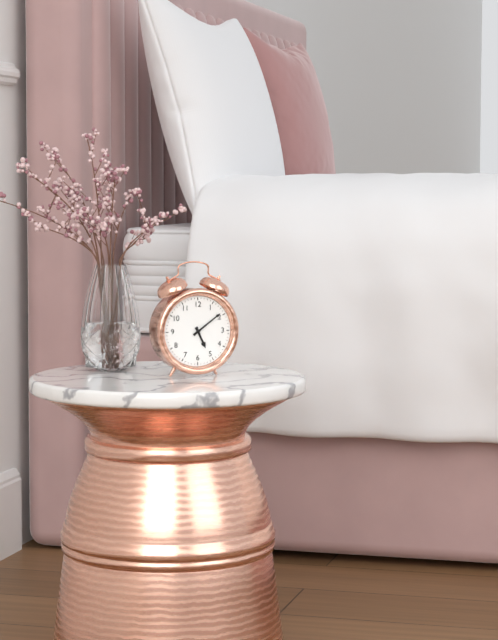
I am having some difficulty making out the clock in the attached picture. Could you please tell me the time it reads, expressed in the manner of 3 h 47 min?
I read 5 h 09 min
